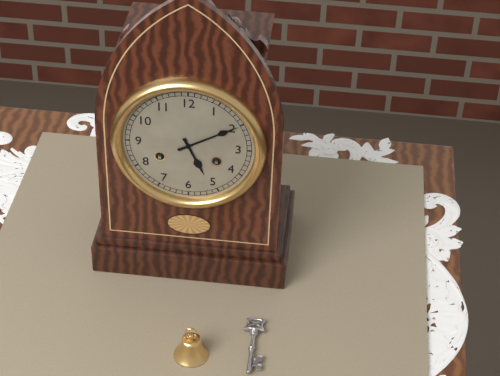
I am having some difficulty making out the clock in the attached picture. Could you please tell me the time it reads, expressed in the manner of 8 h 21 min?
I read 5 h 10 min
